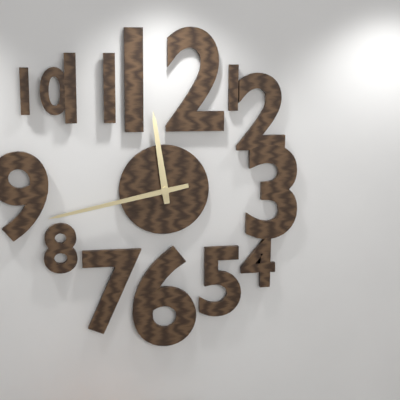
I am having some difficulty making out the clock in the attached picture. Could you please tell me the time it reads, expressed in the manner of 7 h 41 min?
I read 11 h 43 min
